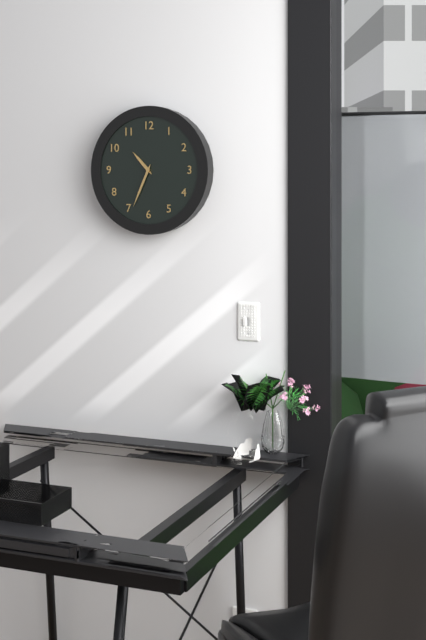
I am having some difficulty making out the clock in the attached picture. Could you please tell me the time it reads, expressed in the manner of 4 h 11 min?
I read 10 h 34 min
